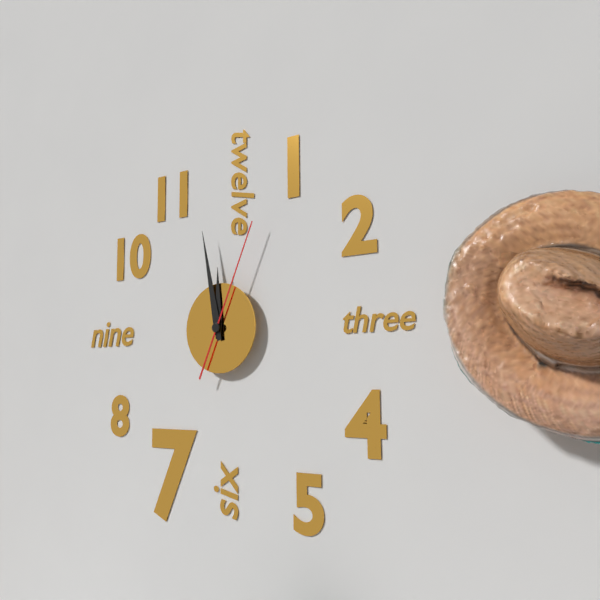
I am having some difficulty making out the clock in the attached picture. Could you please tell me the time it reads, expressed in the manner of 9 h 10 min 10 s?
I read 11 h 58 min 04 s
